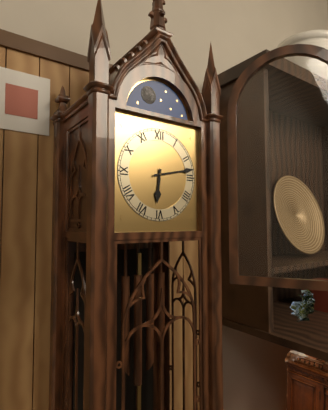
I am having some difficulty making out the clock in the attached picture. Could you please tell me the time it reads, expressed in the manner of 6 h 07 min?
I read 6 h 13 min
